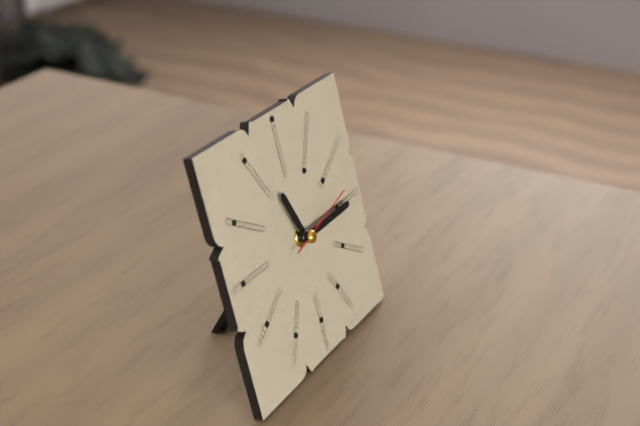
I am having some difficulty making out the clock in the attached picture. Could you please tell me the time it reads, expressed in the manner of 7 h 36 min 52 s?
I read 11 h 15 min 13 s
